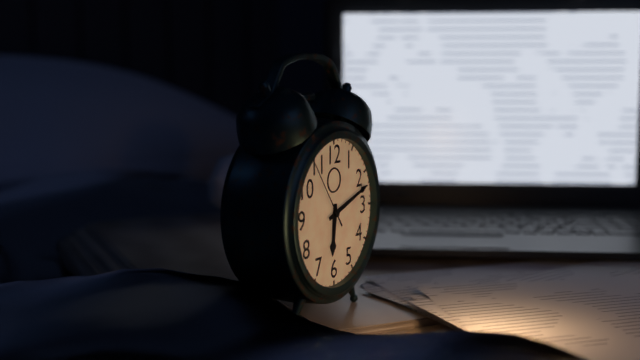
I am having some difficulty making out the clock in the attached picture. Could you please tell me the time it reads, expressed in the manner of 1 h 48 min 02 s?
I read 6 h 12 min 54 s
